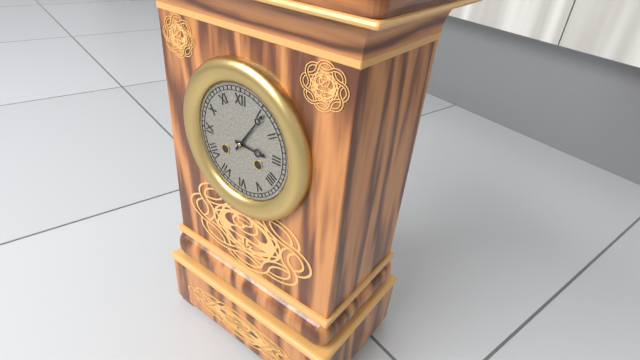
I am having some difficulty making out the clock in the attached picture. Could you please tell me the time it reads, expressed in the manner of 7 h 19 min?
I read 3 h 06 min
